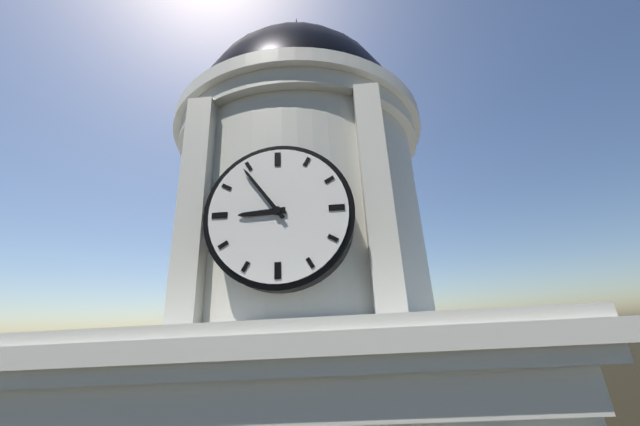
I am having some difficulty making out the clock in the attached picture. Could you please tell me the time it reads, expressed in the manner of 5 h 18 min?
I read 8 h 54 min
